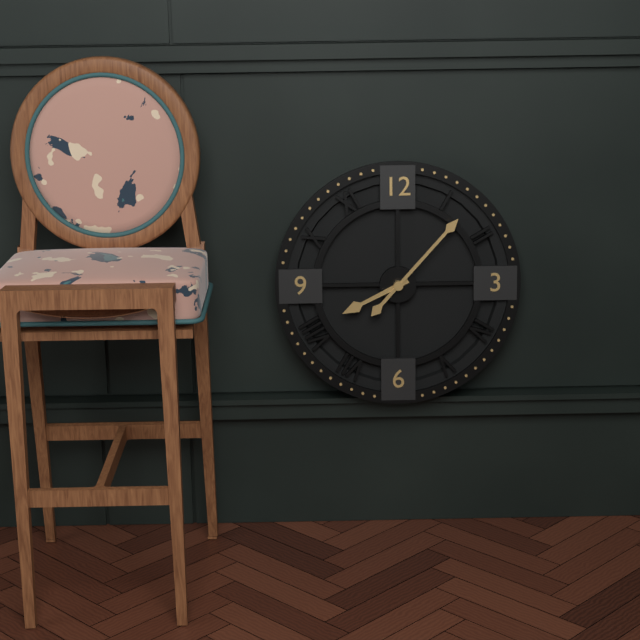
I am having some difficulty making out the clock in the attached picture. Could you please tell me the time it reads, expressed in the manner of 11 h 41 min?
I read 8 h 07 min
